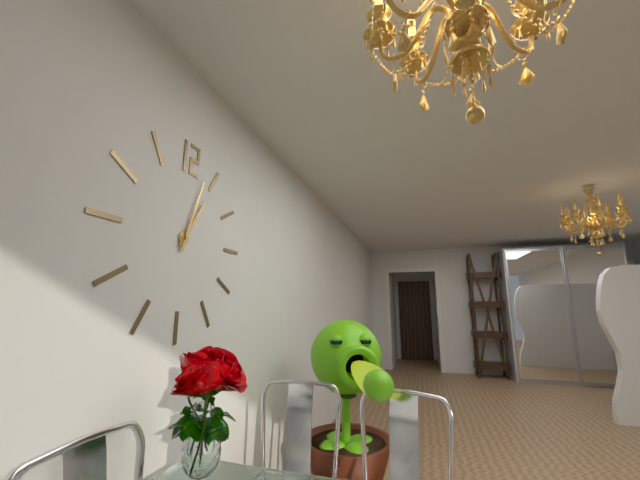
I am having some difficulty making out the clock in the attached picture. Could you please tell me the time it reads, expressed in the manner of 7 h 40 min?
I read 1 h 03 min
